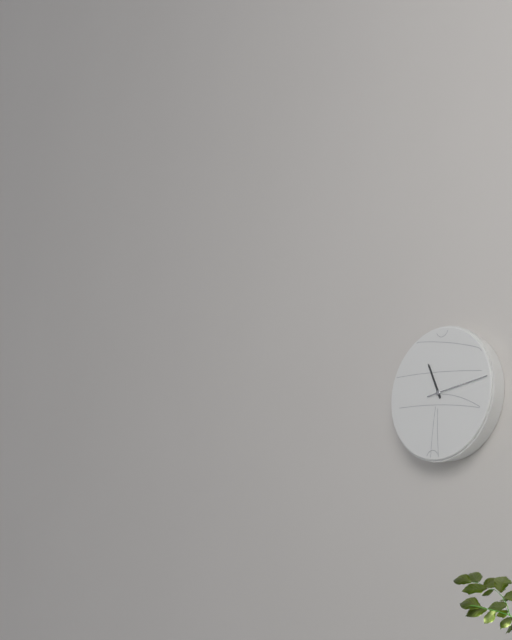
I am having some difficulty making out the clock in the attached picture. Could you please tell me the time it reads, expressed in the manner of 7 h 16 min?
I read 11 h 14 min
